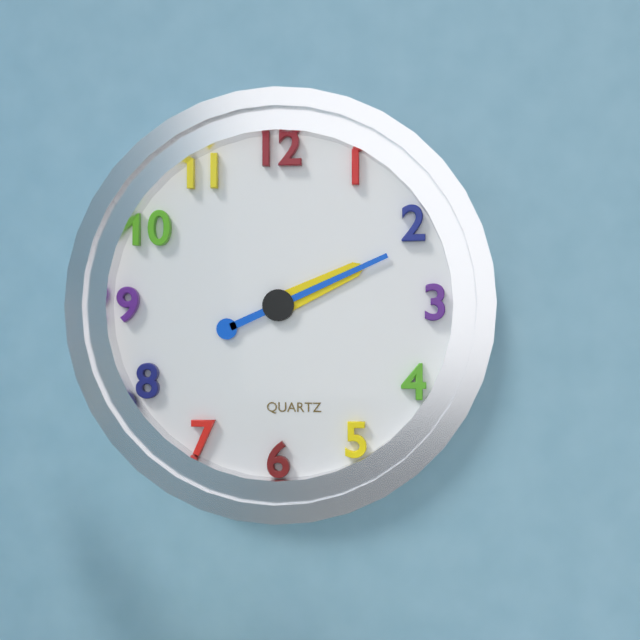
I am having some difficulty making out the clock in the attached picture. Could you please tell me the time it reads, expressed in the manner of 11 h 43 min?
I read 2 h 11 min
